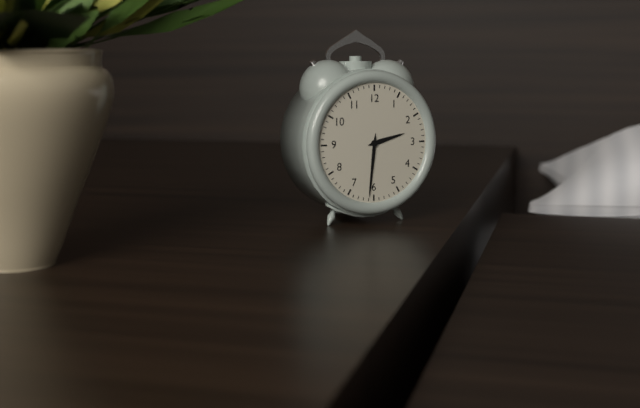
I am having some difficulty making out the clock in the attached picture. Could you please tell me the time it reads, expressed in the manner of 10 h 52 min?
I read 2 h 31 min
